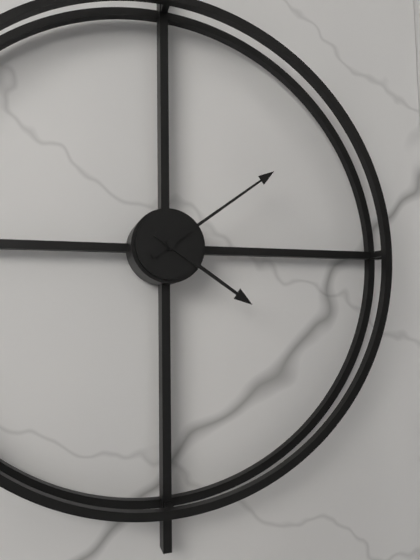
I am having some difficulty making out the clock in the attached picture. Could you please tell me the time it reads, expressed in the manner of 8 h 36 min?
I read 4 h 09 min
